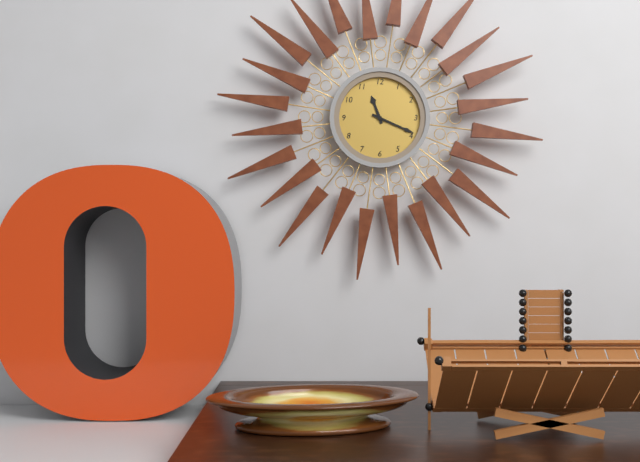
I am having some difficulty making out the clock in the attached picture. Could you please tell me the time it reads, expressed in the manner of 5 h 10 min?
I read 11 h 19 min
